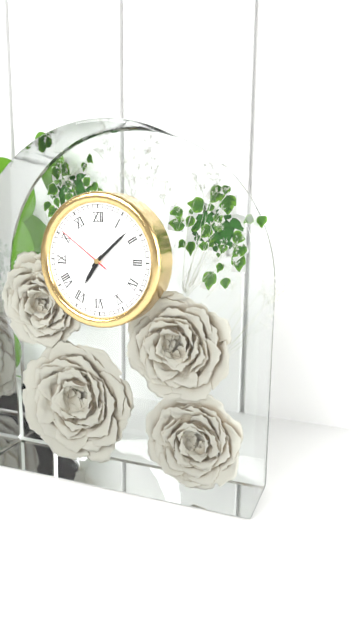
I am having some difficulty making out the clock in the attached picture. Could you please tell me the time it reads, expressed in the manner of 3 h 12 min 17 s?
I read 7 h 08 min 51 s
